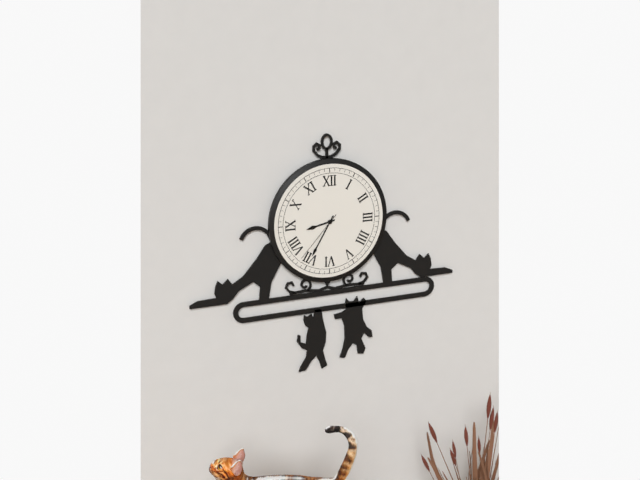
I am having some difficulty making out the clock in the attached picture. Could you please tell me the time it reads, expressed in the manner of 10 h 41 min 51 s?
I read 8 h 35 min 37 s
